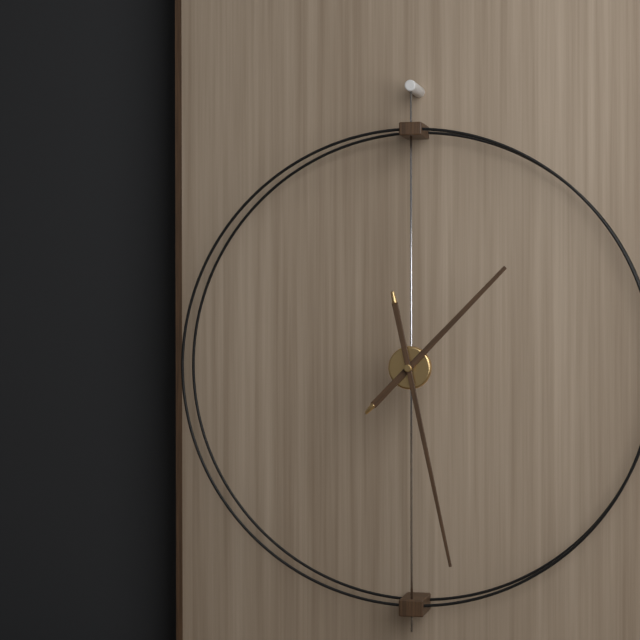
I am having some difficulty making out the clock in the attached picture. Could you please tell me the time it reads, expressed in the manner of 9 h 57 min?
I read 1 h 28 min
